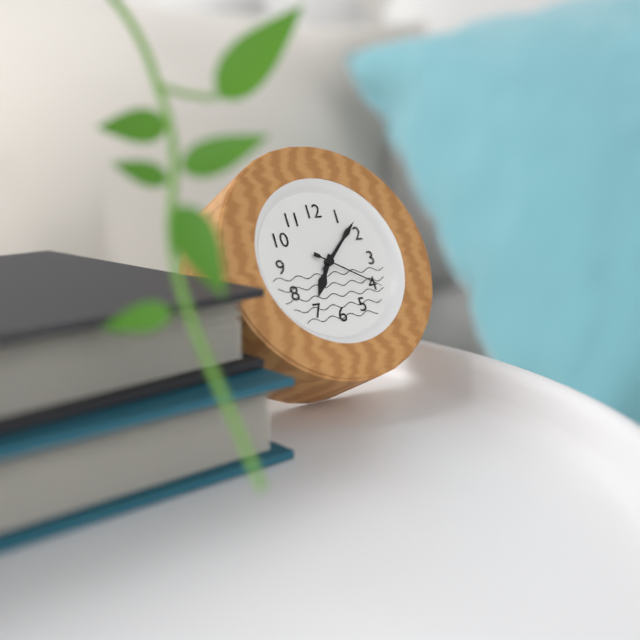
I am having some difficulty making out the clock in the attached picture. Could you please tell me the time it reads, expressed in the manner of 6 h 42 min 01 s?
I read 7 h 08 min 20 s
